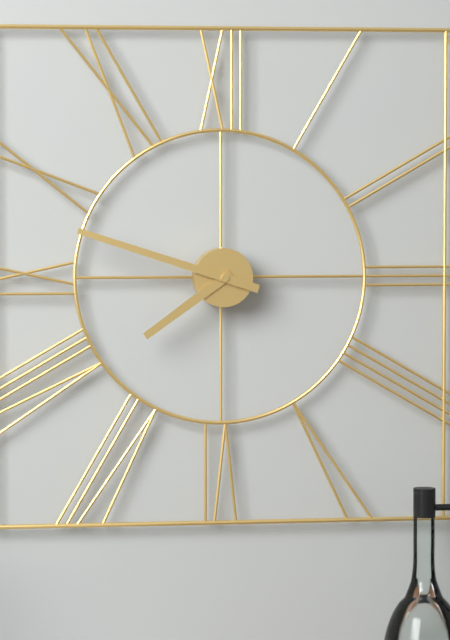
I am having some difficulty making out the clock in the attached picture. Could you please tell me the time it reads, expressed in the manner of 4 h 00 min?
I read 7 h 48 min
